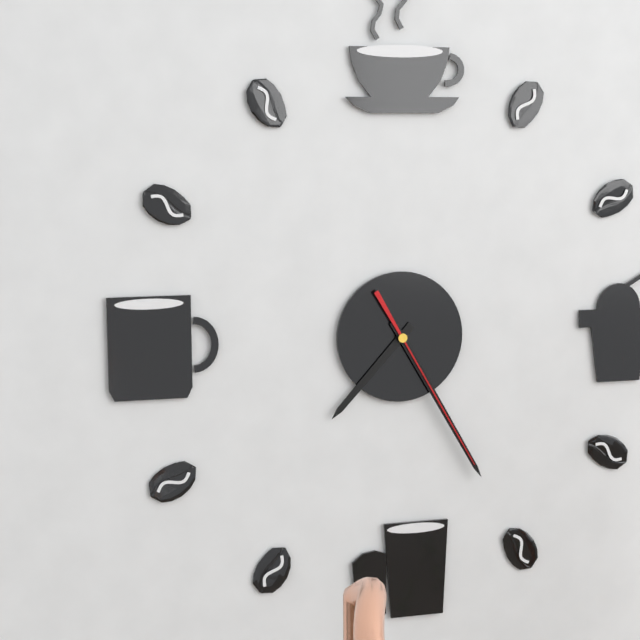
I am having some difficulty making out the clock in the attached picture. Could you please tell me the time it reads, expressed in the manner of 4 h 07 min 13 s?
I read 7 h 25 min 25 s
